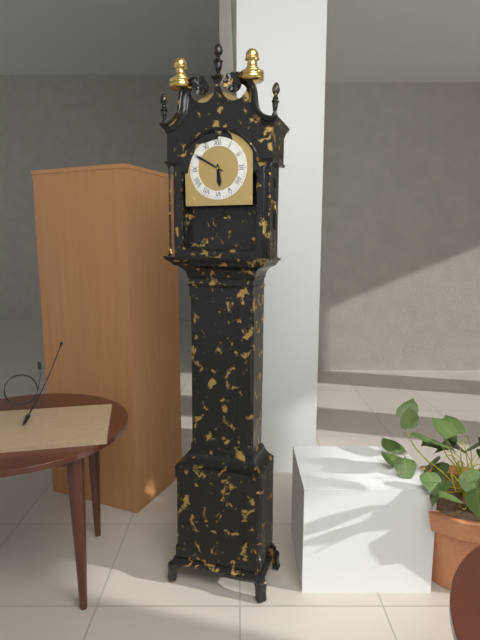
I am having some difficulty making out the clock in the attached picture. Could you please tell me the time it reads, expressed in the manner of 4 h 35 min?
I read 5 h 50 min
